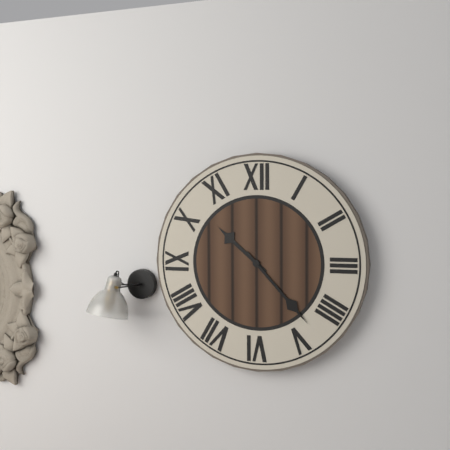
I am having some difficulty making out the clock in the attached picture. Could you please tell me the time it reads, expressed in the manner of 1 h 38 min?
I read 10 h 23 min
